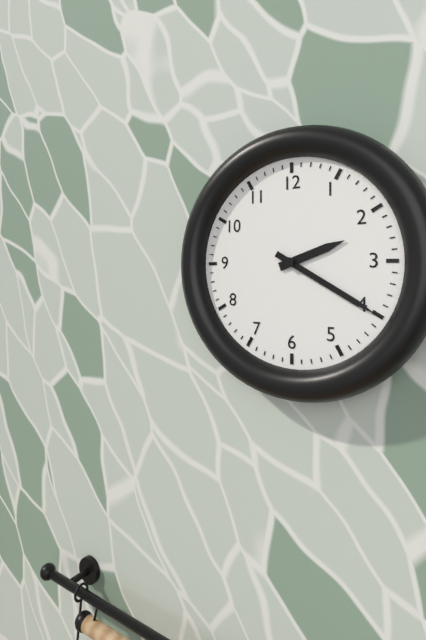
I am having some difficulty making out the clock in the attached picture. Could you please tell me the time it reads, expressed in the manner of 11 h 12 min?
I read 2 h 20 min
